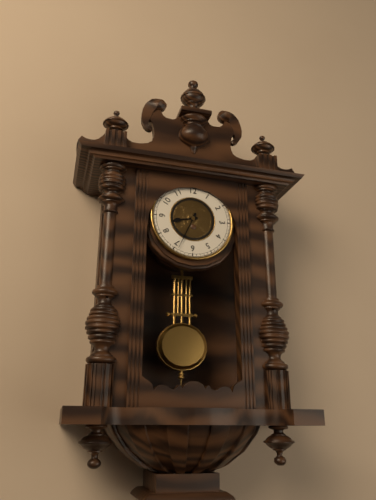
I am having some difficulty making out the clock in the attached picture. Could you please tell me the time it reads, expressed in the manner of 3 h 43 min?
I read 8 h 34 min
